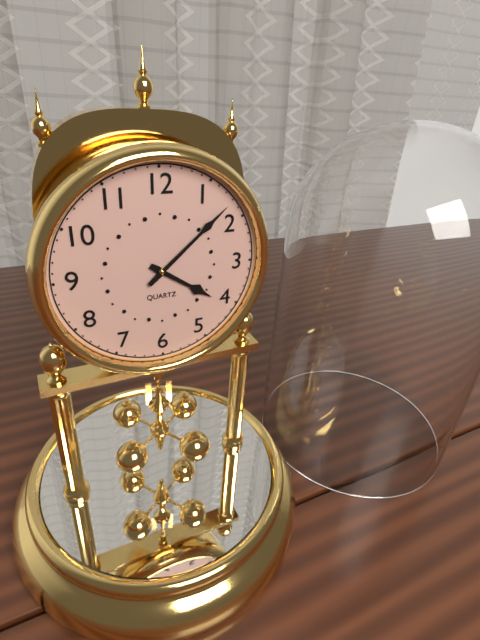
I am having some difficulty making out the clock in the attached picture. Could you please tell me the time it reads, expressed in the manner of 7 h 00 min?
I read 4 h 08 min
